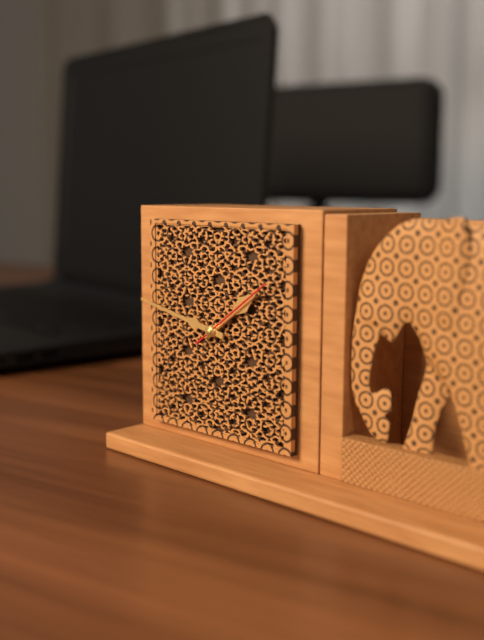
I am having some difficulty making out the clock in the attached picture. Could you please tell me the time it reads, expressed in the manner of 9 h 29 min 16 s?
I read 1 h 47 min 09 s
